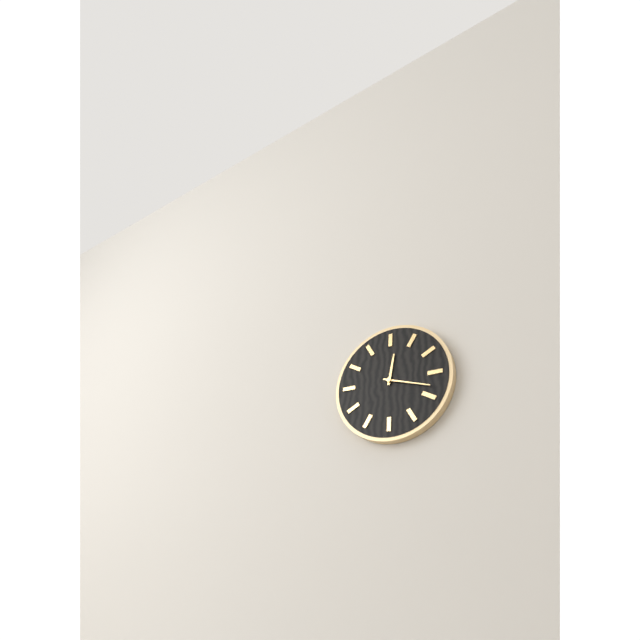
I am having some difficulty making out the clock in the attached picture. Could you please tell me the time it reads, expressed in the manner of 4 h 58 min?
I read 12 h 18 min
